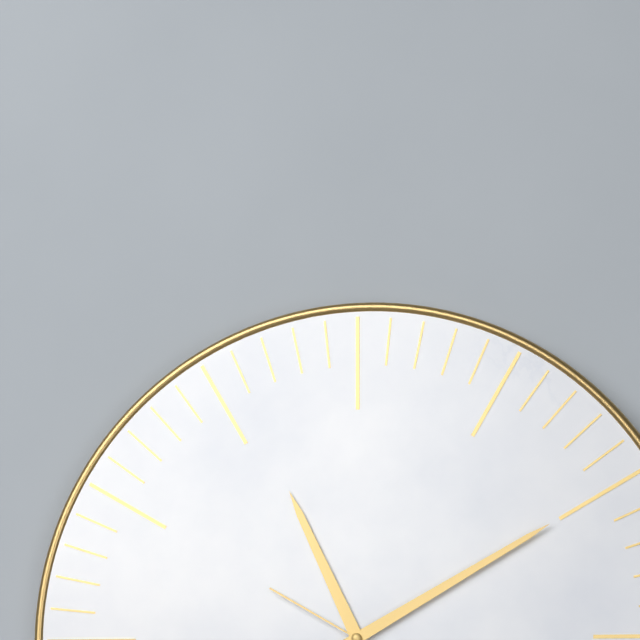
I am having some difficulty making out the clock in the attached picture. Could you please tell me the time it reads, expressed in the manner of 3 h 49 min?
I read 11 h 10 min
